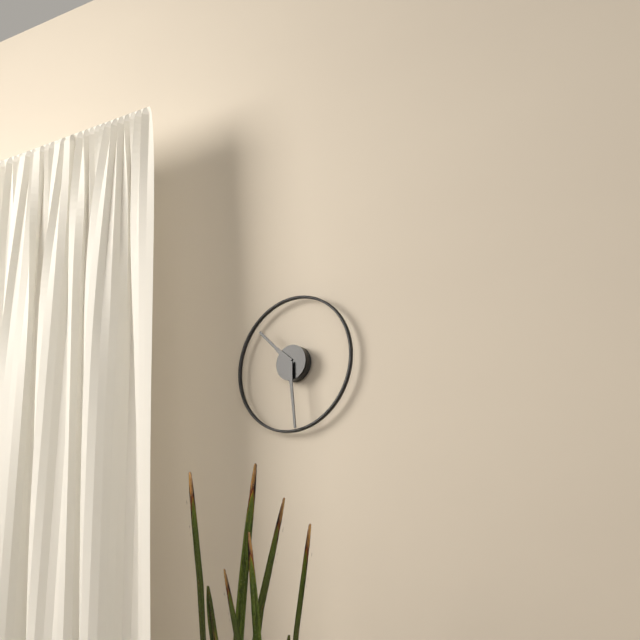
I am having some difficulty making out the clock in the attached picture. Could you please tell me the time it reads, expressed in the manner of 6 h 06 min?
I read 10 h 29 min
